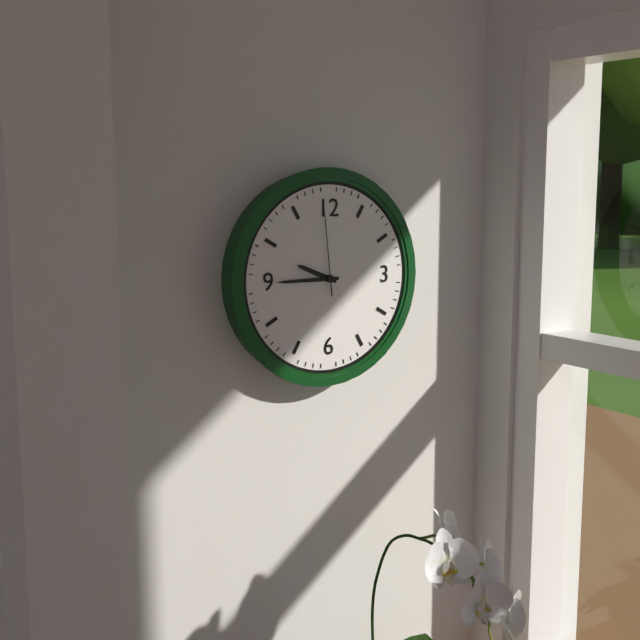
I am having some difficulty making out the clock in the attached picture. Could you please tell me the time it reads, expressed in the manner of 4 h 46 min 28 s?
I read 9 h 45 min 59 s
